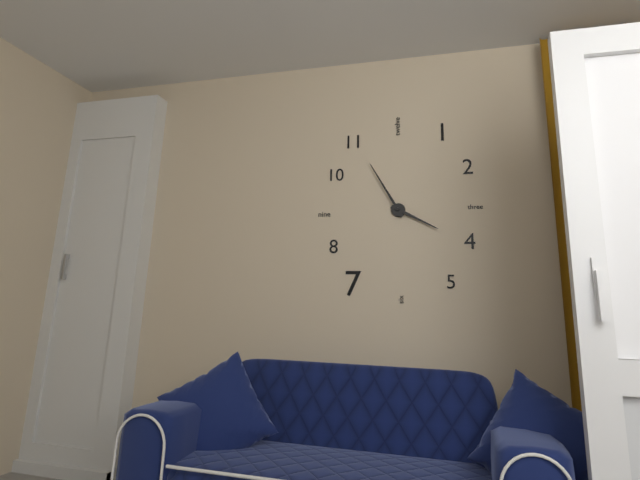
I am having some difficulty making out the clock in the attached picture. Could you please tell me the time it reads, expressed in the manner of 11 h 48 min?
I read 3 h 55 min
